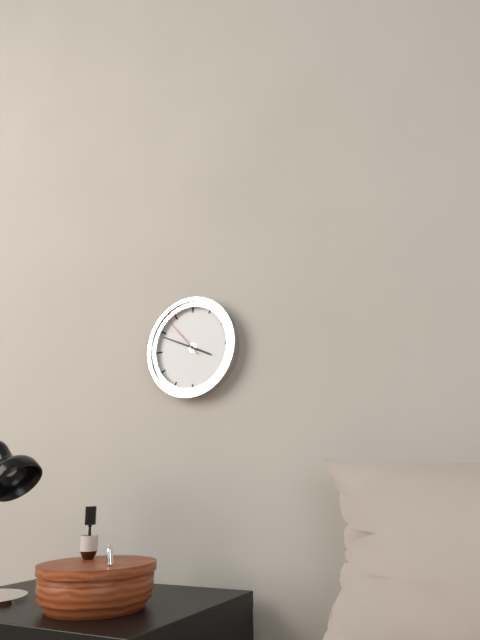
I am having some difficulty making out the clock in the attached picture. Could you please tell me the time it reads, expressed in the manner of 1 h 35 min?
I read 3 h 49 min
